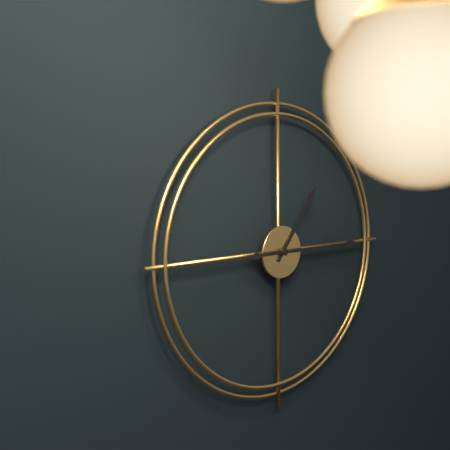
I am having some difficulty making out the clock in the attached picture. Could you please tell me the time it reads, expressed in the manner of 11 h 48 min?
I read 1 h 15 min
